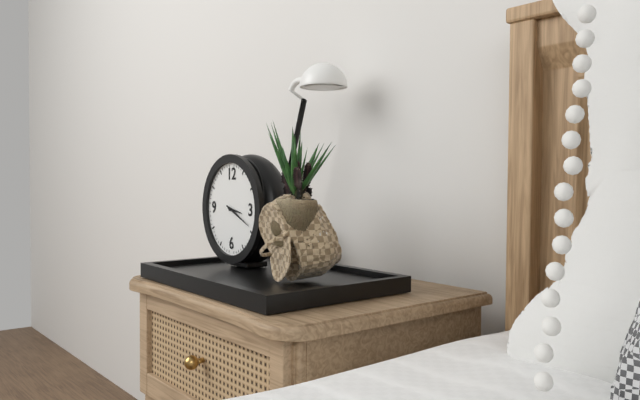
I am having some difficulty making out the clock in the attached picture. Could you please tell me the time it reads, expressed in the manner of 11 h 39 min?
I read 3 h 19 min
